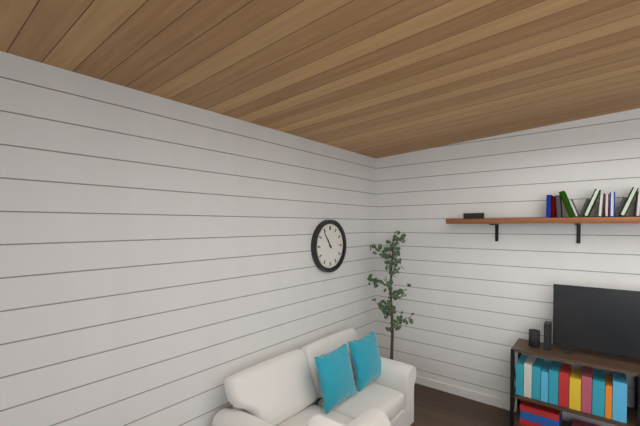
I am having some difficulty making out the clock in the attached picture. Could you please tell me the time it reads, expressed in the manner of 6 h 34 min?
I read 10 h 54 min
